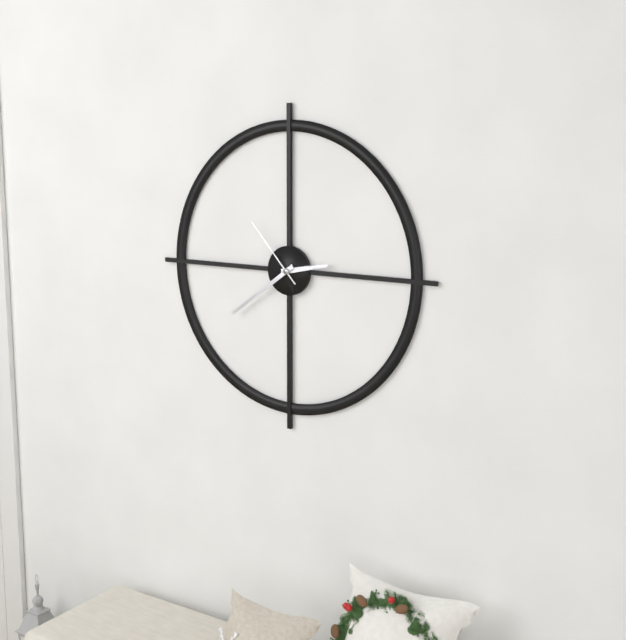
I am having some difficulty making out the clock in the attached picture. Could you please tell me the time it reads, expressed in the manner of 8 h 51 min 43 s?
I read 2 h 39 min 53 s
